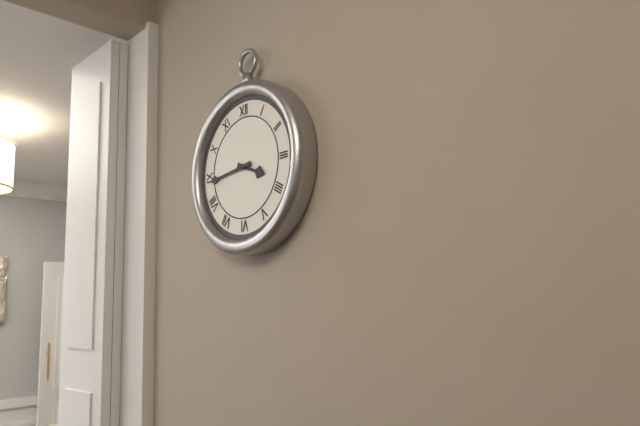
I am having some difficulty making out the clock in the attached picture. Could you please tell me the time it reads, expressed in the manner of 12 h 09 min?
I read 3 h 44 min
